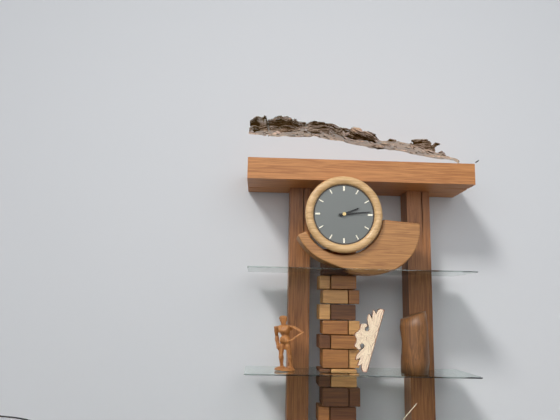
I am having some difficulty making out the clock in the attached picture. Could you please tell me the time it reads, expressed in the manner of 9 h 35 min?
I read 2 h 14 min
